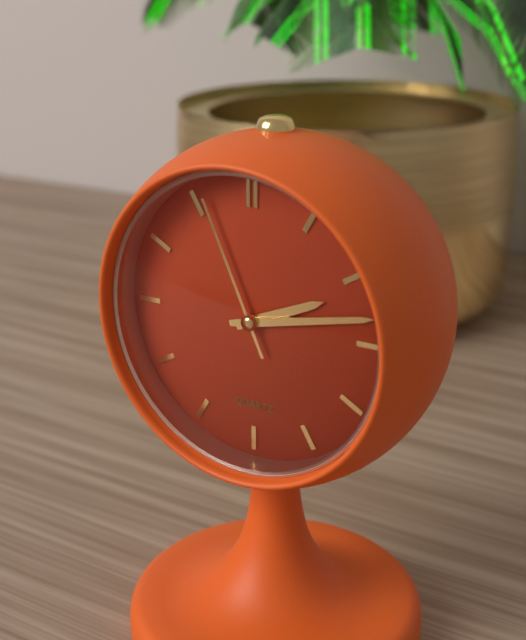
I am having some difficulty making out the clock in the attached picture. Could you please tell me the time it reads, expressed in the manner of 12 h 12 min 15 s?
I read 2 h 13 min 56 s
